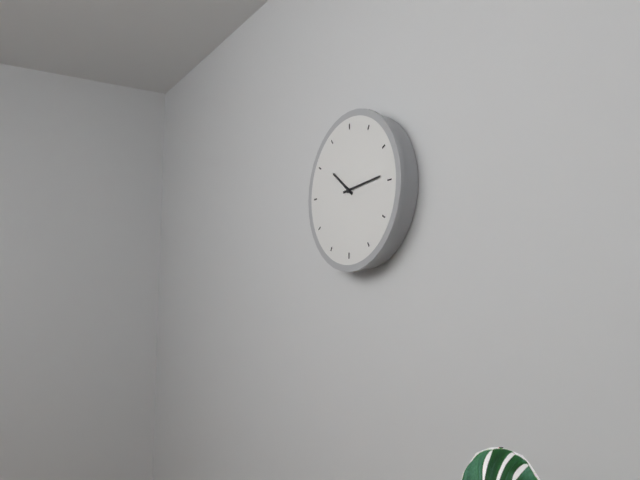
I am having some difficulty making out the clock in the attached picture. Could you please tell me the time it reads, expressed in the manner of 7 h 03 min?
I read 10 h 14 min
